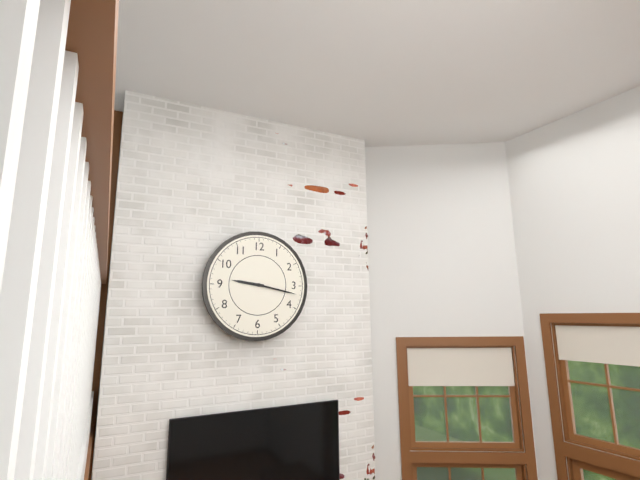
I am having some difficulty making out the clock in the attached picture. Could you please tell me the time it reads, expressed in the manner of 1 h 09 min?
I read 9 h 17 min
